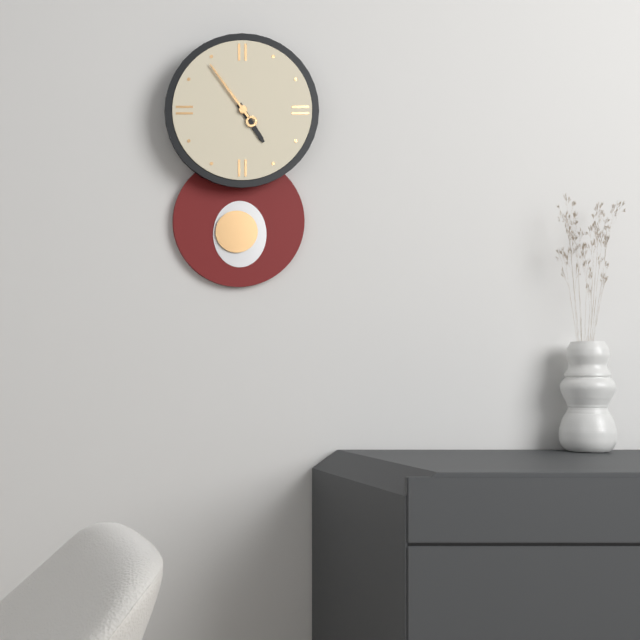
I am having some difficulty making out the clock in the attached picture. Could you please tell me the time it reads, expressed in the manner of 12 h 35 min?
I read 4 h 54 min
